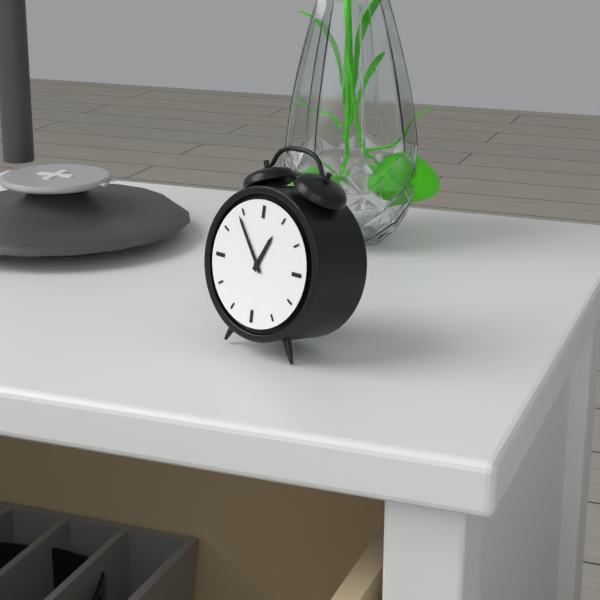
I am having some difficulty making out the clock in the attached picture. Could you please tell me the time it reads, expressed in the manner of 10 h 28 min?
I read 12 h 54 min
